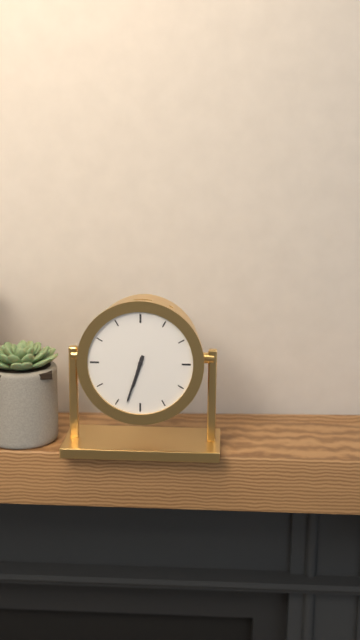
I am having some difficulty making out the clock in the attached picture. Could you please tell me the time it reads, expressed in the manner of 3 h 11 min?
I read 6 h 33 min
